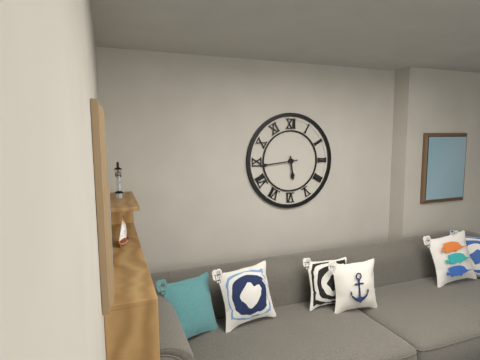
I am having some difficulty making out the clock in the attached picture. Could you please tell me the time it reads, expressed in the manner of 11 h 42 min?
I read 5 h 44 min
